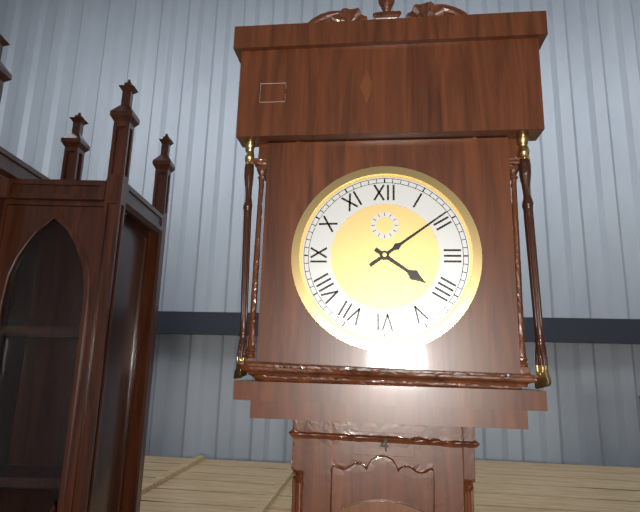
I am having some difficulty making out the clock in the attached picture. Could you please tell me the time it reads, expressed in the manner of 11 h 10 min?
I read 4 h 09 min
